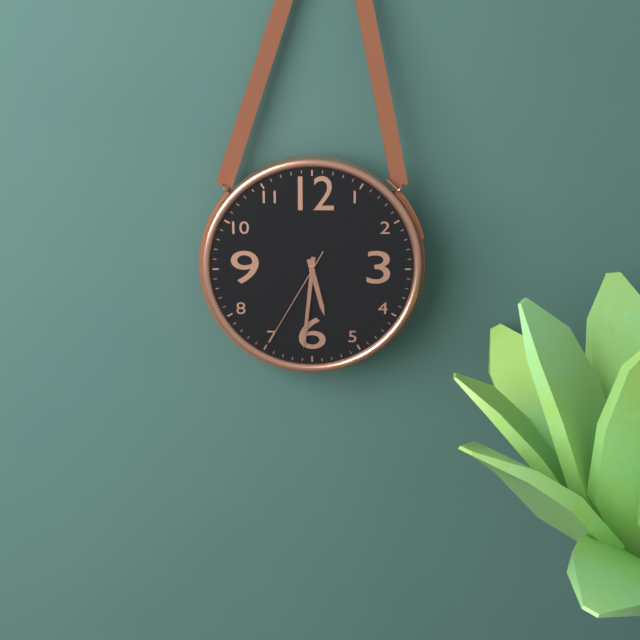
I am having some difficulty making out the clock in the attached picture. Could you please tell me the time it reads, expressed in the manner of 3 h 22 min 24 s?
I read 5 h 31 min 35 s
